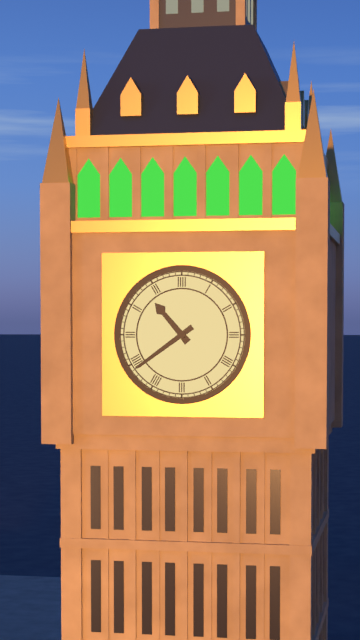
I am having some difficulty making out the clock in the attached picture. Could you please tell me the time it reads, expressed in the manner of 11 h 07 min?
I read 10 h 39 min
